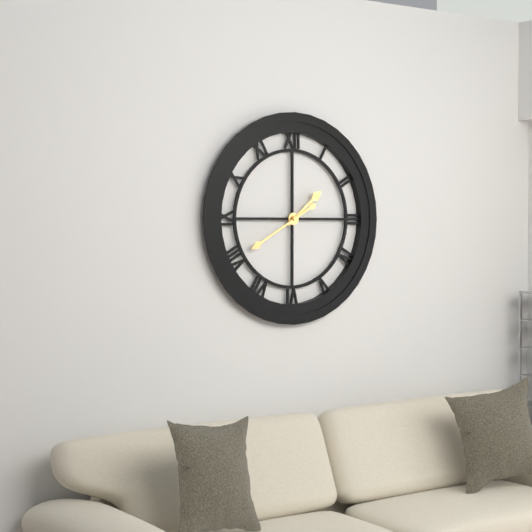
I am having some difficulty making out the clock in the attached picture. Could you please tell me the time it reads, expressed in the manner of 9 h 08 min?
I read 1 h 40 min
